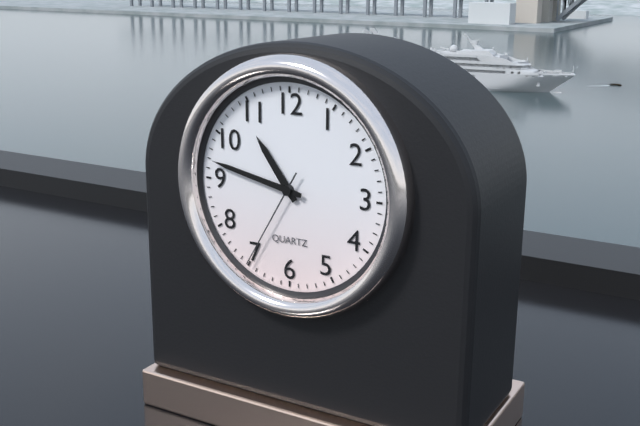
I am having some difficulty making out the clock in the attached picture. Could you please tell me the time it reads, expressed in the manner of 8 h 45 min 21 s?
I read 10 h 47 min 35 s
